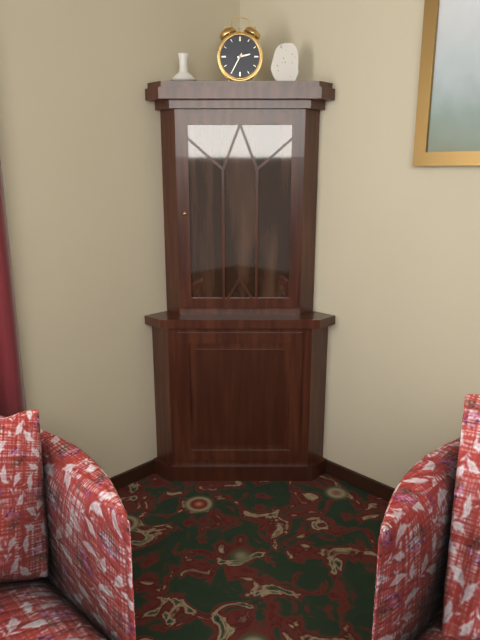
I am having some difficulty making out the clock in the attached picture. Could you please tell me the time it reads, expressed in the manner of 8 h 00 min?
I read 2 h 35 min
